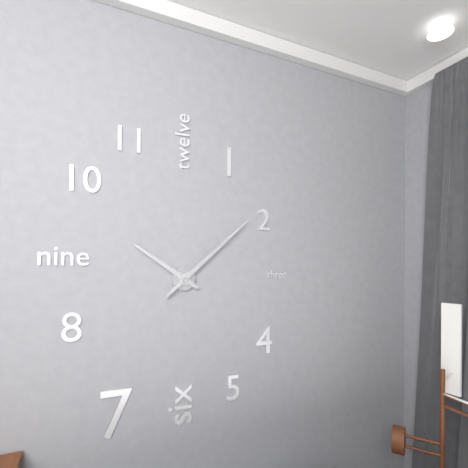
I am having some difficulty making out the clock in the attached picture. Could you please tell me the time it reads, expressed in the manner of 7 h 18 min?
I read 10 h 08 min
